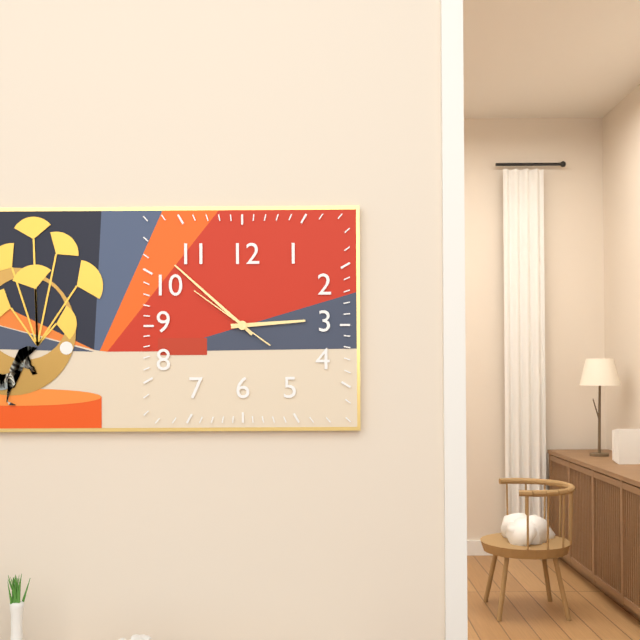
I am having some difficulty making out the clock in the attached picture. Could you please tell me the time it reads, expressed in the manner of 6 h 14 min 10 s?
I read 2 h 52 min 51 s
